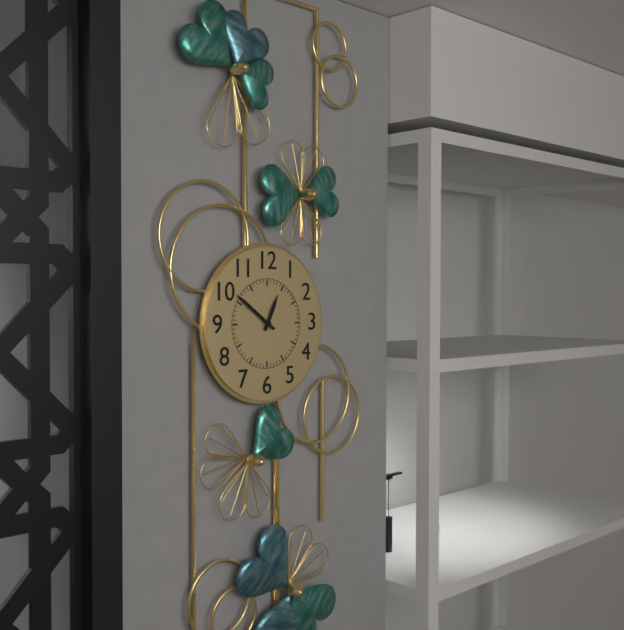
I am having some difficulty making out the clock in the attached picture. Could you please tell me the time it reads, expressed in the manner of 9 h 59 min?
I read 12 h 51 min
